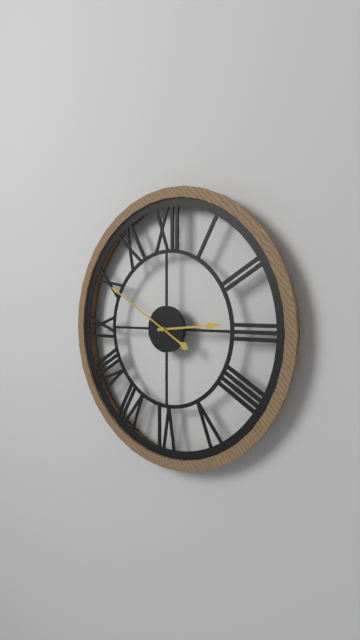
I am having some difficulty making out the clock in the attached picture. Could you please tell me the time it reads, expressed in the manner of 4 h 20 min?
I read 2 h 50 min
